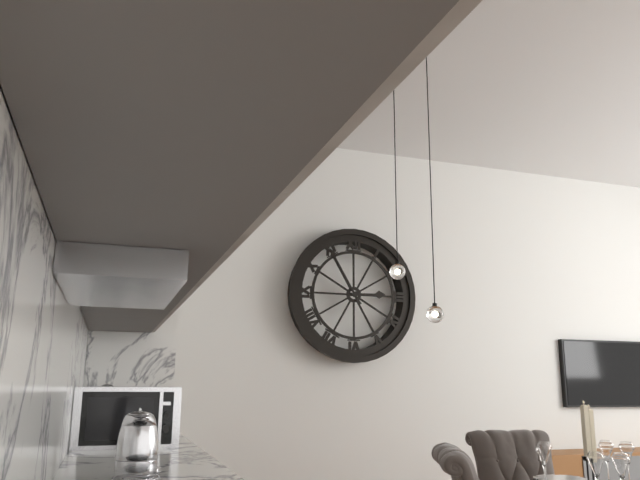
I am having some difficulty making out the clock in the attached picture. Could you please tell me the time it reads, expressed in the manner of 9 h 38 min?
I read 2 h 55 min
